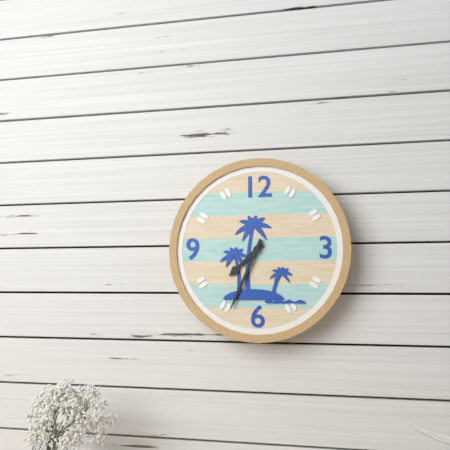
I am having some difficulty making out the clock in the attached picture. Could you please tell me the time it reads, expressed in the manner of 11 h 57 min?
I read 7 h 34 min
